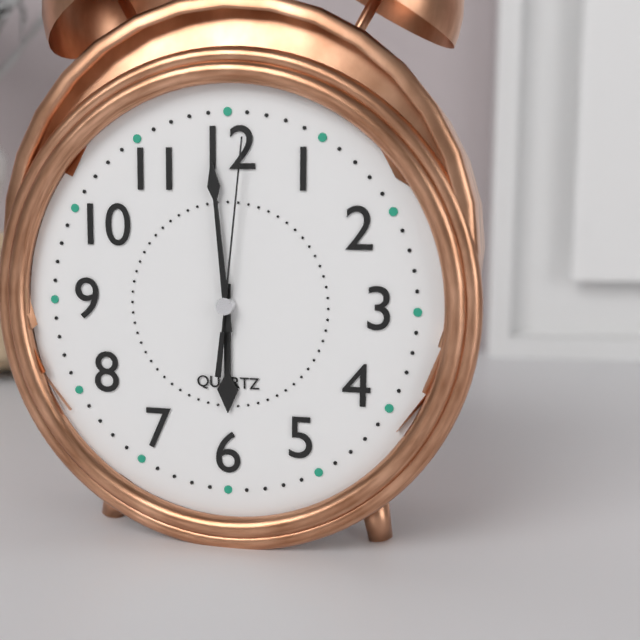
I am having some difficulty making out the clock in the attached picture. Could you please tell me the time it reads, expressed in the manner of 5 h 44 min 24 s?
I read 5 h 59 min 01 s
